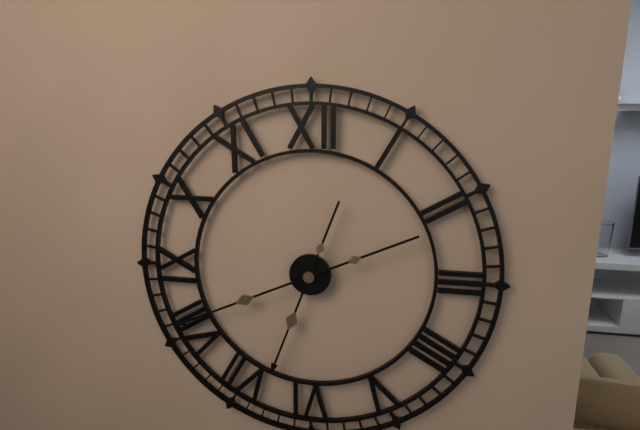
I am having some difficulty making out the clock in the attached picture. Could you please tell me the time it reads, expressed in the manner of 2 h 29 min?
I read 6 h 41 min
